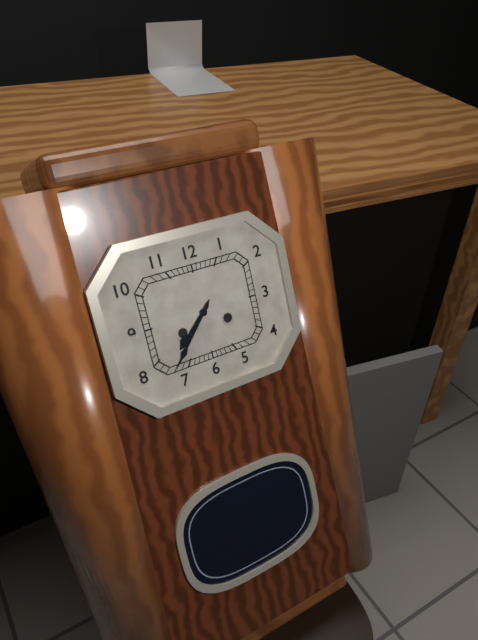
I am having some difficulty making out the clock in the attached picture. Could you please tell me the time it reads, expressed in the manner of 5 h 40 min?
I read 7 h 37 min
